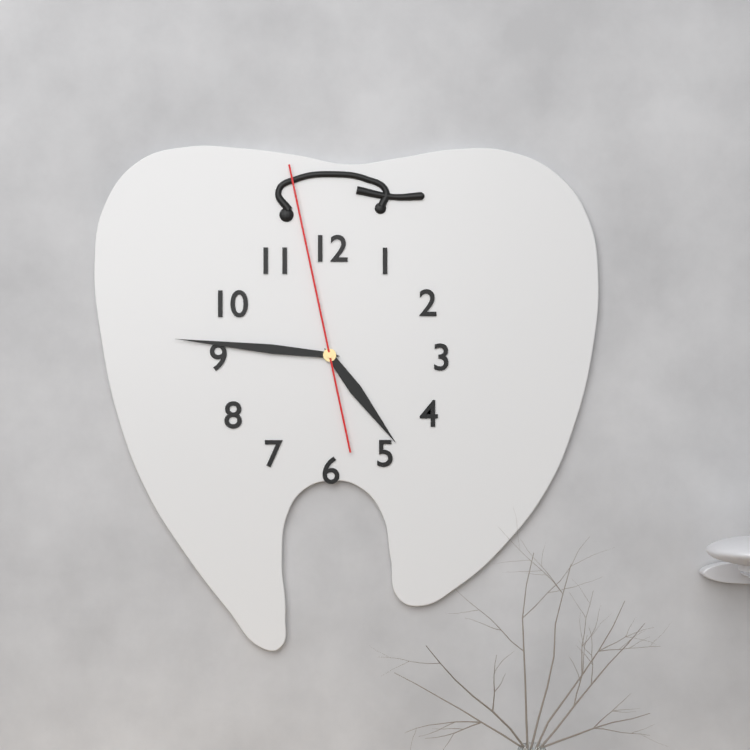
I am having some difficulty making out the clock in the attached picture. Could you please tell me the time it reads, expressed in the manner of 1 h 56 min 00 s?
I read 4 h 46 min 58 s
